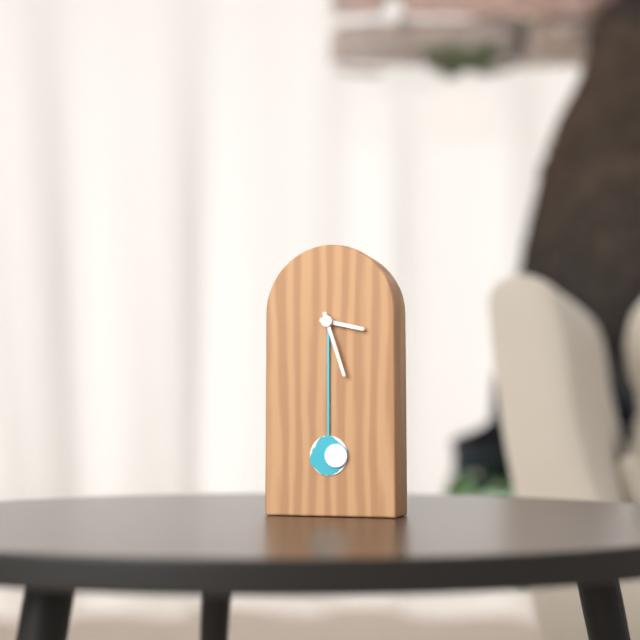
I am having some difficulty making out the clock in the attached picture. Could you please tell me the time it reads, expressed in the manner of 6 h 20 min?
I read 3 h 27 min
